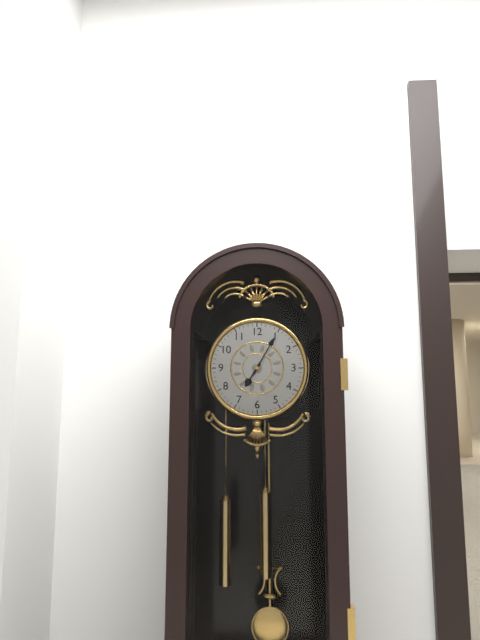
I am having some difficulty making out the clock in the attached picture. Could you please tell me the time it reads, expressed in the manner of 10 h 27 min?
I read 7 h 05 min
